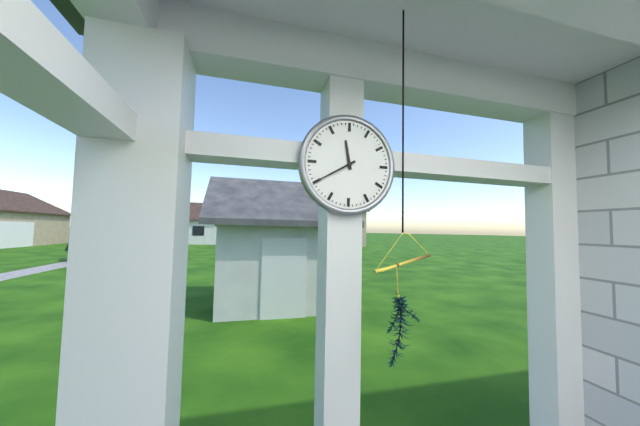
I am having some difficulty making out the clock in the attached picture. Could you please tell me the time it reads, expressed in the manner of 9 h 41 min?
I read 11 h 40 min
